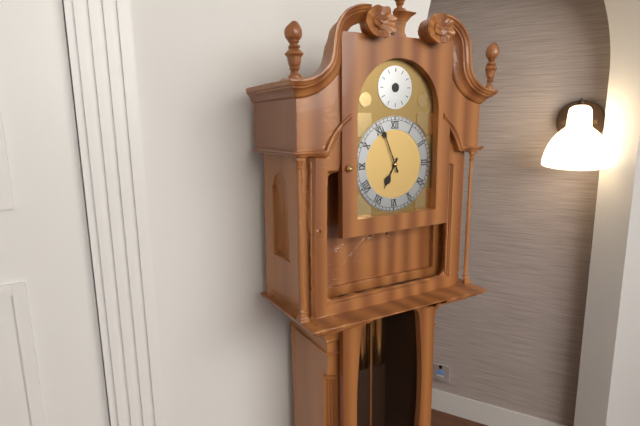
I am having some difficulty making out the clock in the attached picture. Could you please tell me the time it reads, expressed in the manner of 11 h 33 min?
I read 6 h 56 min
